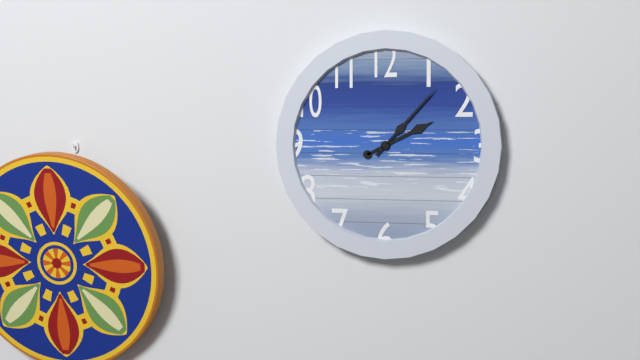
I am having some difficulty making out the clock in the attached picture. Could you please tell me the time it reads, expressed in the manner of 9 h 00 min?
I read 2 h 07 min
